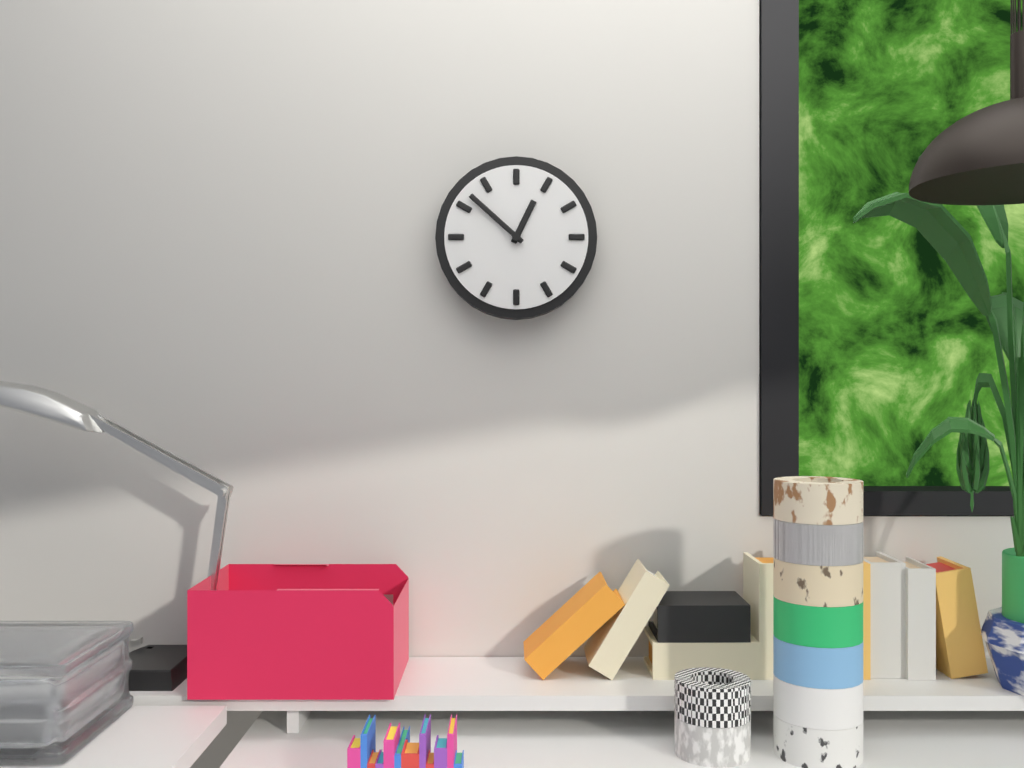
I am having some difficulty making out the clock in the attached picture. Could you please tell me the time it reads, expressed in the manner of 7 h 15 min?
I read 12 h 52 min
